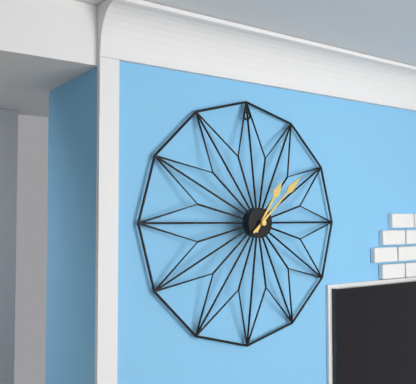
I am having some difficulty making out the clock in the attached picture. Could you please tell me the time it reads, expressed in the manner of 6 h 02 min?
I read 1 h 08 min
